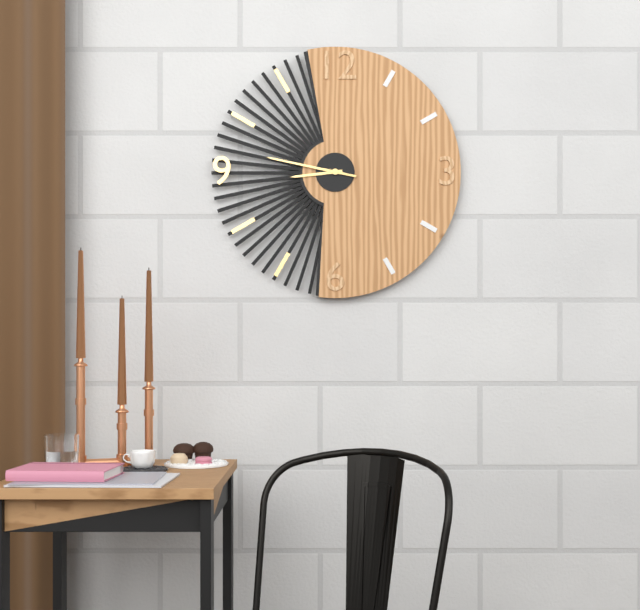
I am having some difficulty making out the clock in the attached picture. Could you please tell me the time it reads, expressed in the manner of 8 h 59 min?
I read 8 h 47 min
